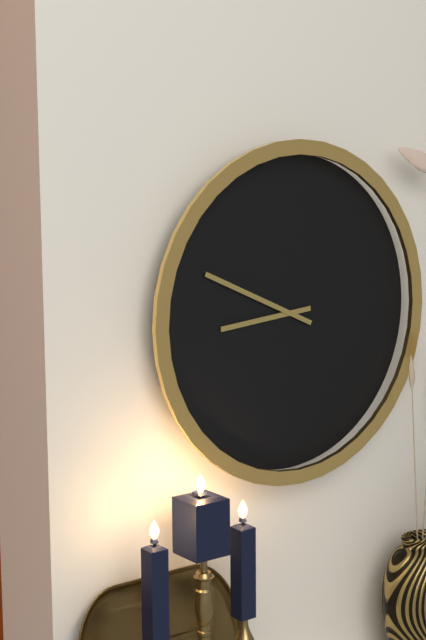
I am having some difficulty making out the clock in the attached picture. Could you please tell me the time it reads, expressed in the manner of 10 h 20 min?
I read 8 h 49 min
